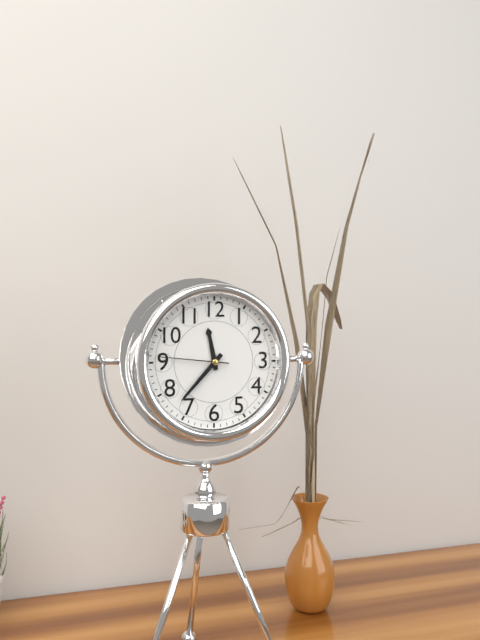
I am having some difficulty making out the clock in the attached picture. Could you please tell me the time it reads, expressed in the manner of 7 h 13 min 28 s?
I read 11 h 37 min 46 s
